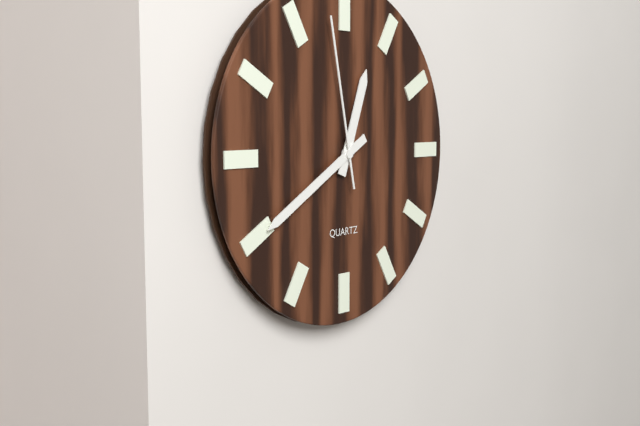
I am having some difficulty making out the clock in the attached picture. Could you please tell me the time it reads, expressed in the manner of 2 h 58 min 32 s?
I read 12 h 40 min 58 s
